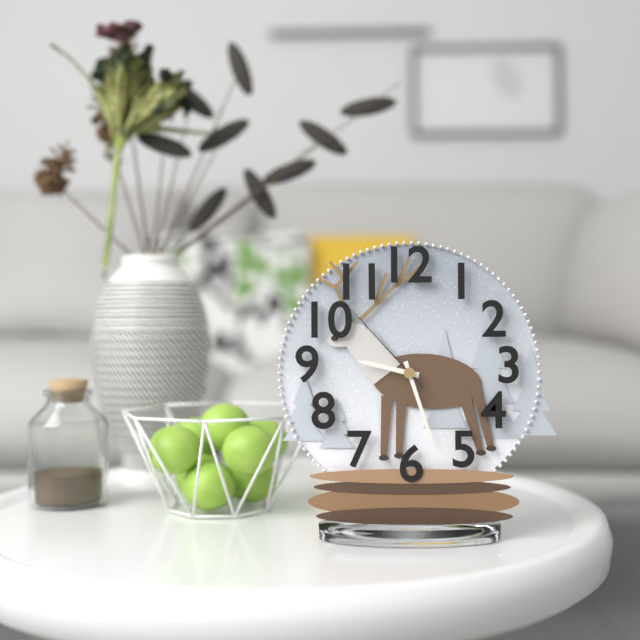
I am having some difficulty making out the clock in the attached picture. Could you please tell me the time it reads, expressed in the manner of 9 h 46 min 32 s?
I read 9 h 27 min 53 s
